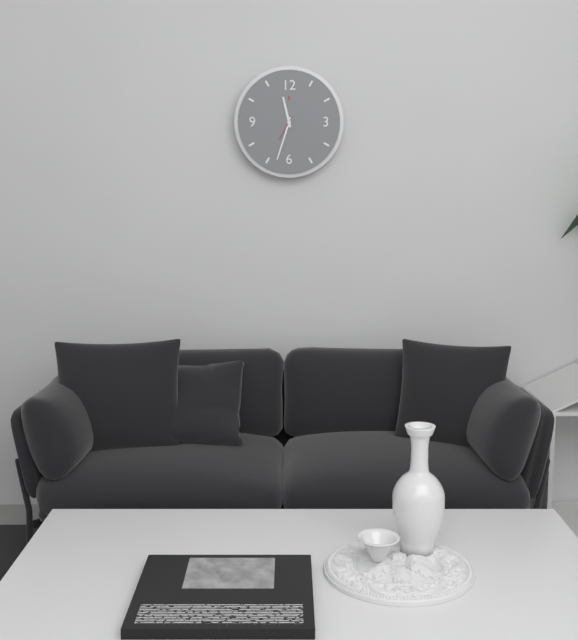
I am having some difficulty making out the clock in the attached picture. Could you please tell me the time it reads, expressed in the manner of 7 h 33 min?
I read 11 h 33 min
